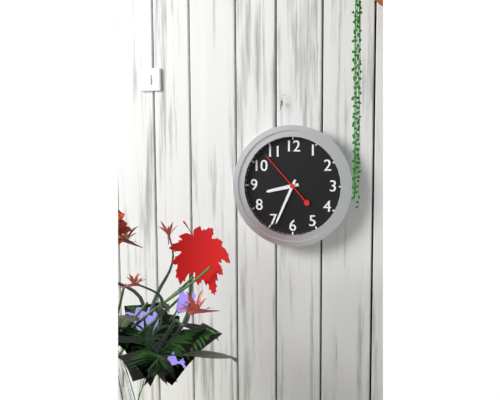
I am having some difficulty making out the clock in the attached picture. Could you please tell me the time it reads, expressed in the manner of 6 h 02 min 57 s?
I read 8 h 34 min 53 s
